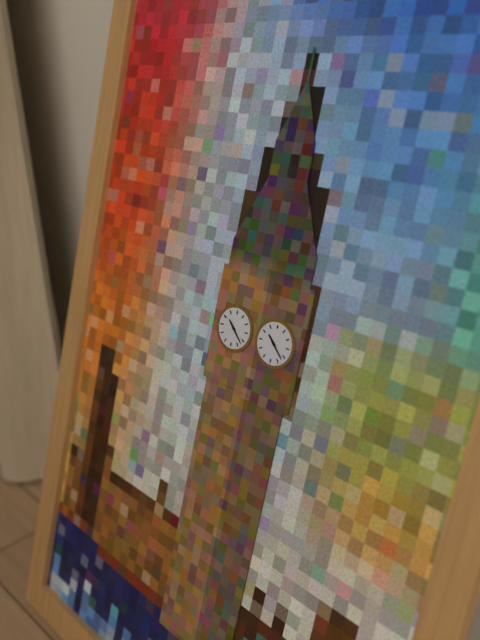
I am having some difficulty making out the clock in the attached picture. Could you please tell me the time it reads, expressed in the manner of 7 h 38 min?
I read 10 h 22 min
